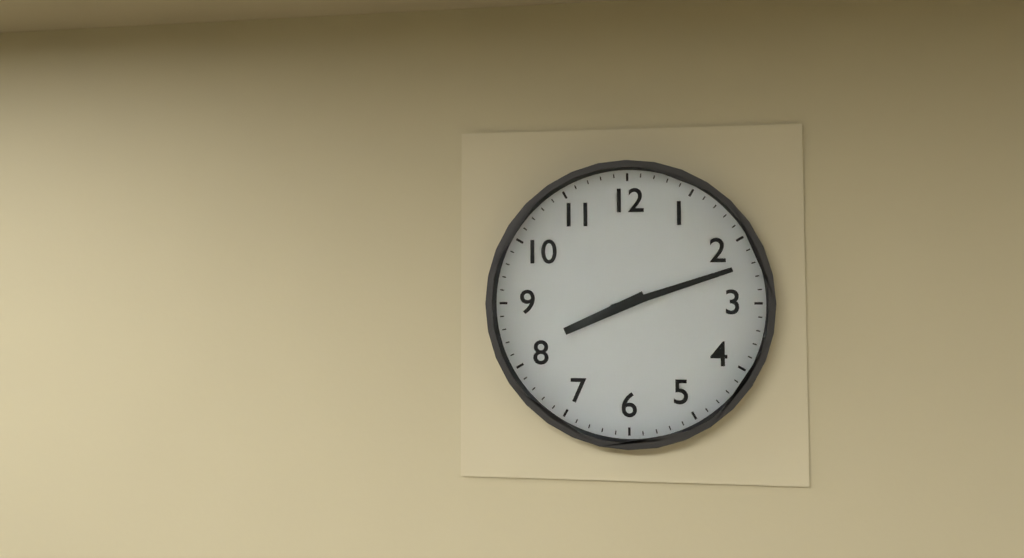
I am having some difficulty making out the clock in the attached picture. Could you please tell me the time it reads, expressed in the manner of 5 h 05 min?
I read 8 h 12 min
